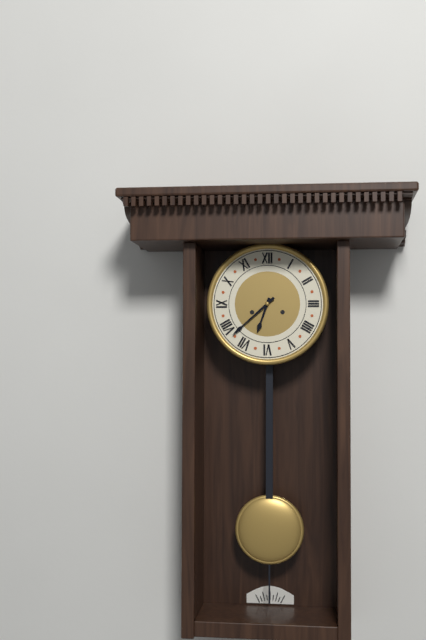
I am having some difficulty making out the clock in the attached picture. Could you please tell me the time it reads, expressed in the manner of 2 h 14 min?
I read 6 h 38 min
